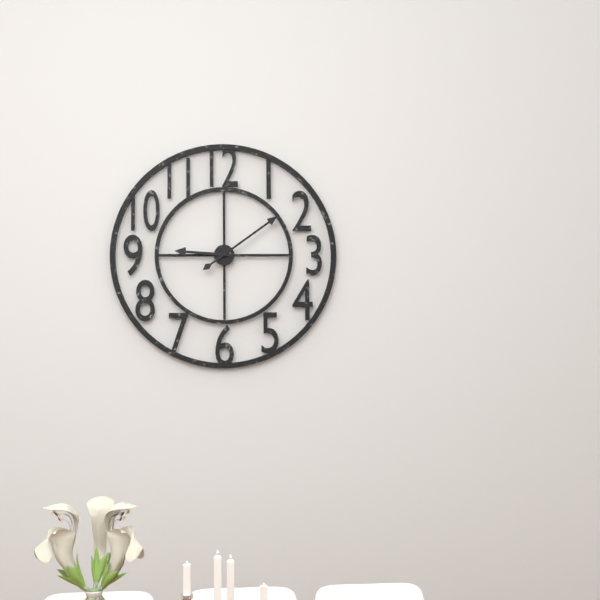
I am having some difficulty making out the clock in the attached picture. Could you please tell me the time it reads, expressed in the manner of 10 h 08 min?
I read 9 h 09 min
